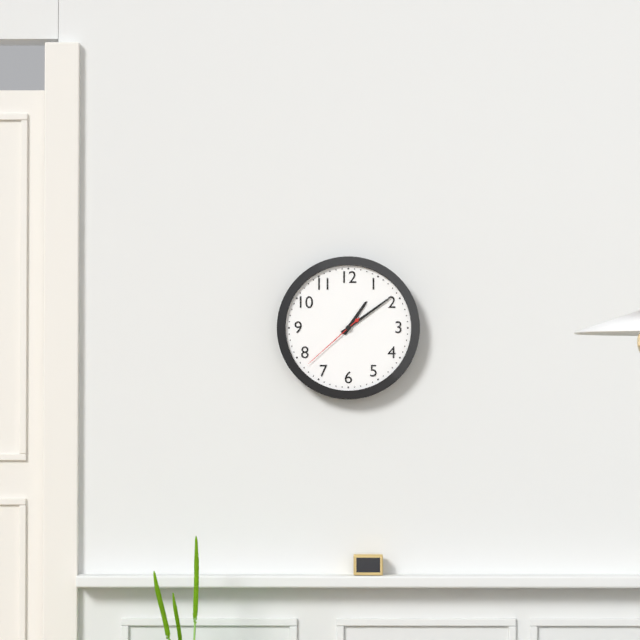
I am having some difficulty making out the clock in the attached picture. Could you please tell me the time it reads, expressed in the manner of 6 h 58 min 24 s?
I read 1 h 09 min 38 s
